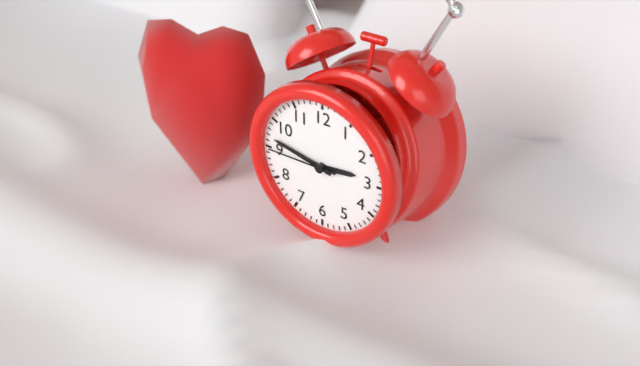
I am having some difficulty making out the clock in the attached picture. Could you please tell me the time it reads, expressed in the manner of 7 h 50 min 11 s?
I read 2 h 47 min 45 s
